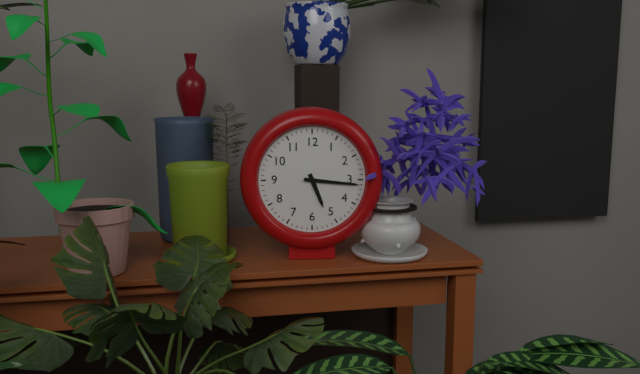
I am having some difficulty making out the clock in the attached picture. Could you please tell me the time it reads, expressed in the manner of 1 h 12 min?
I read 5 h 16 min
